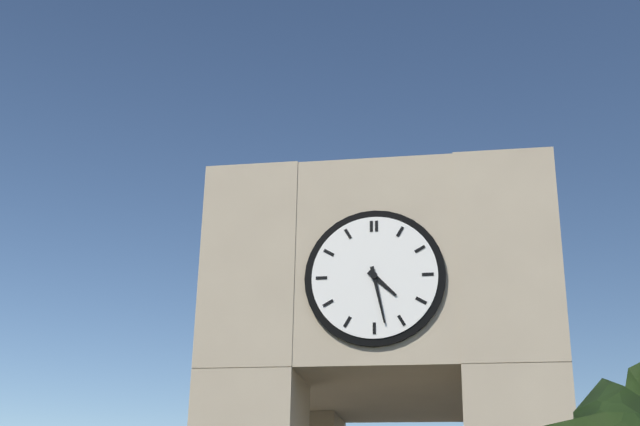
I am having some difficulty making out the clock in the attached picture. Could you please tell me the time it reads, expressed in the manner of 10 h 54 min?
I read 4 h 28 min
